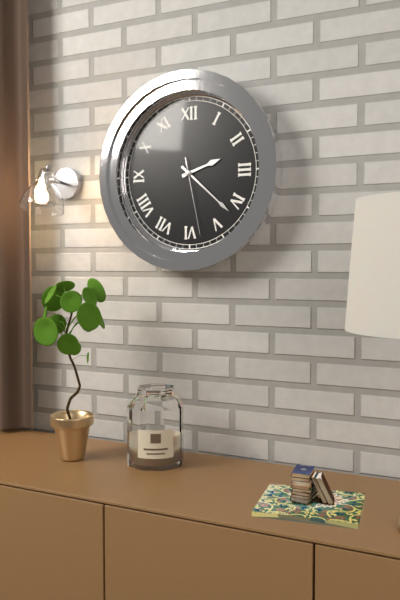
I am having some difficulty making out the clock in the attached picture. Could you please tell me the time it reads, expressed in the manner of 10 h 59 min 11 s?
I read 2 h 22 min 28 s
